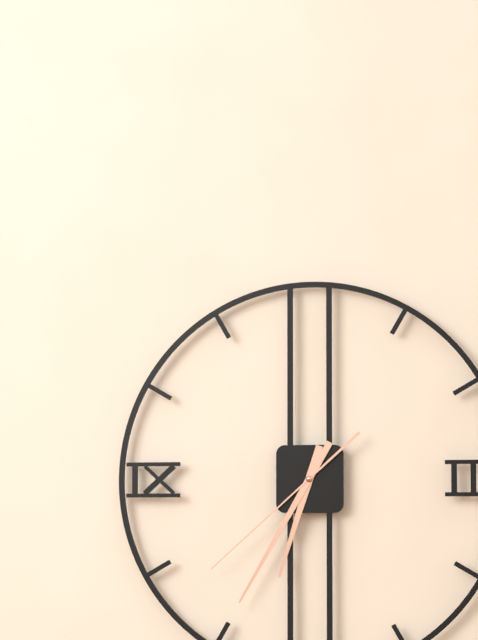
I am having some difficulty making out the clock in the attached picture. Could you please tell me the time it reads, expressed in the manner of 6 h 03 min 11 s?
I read 6 h 35 min 38 s
